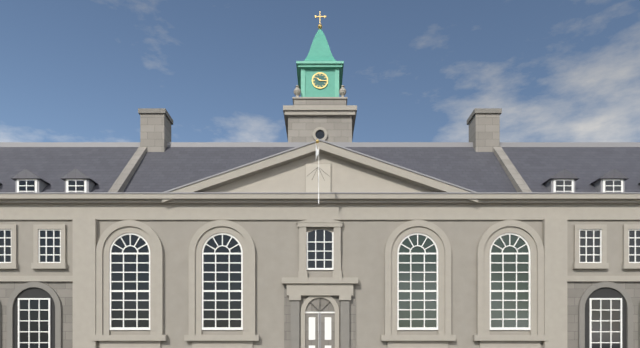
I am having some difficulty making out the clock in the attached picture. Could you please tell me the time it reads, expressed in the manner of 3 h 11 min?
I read 10 h 16 min
